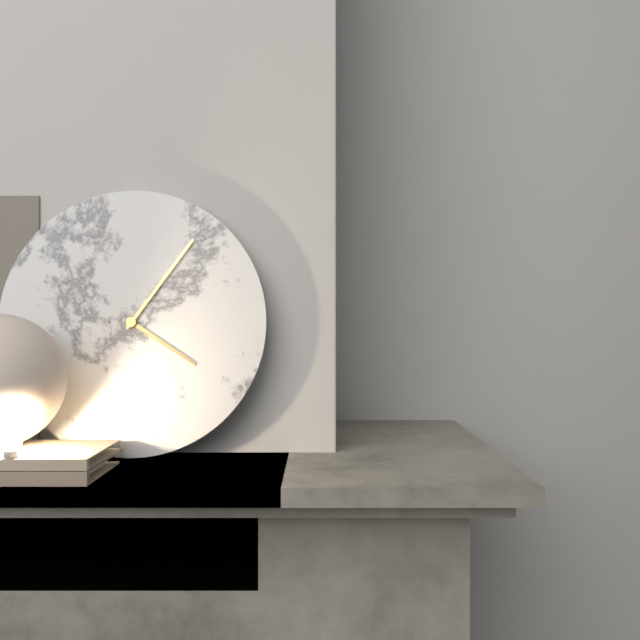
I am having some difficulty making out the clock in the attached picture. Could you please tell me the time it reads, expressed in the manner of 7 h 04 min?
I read 4 h 06 min
